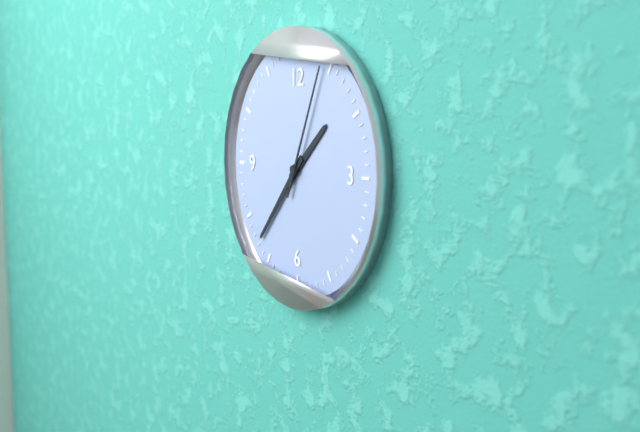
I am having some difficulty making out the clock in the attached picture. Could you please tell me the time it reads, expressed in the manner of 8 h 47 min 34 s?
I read 1 h 37 min 04 s
